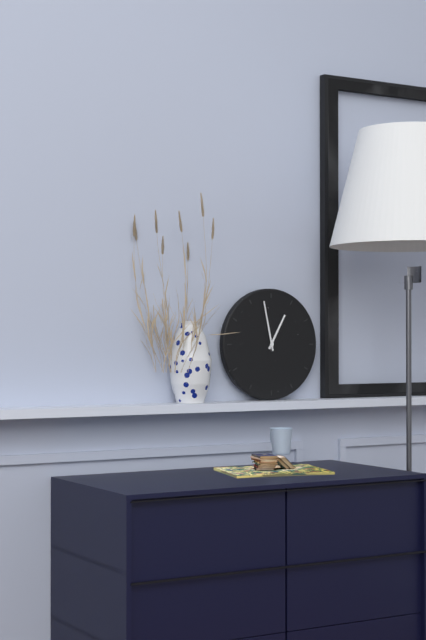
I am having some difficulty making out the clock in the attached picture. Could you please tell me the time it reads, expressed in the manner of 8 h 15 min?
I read 12 h 58 min
